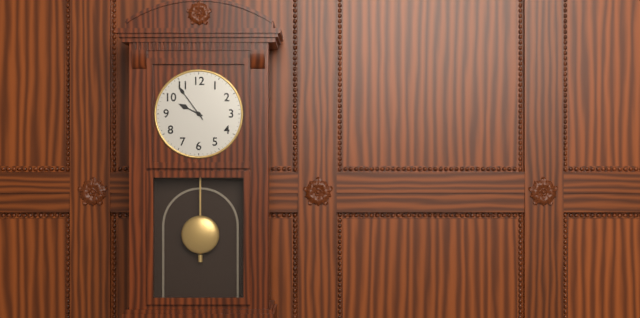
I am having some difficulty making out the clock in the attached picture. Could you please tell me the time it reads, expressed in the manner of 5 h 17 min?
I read 9 h 54 min
